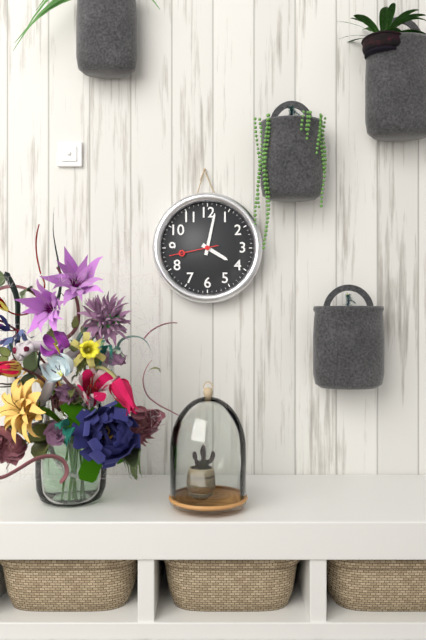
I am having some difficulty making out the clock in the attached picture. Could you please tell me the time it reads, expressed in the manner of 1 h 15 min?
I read 4 h 02 min
